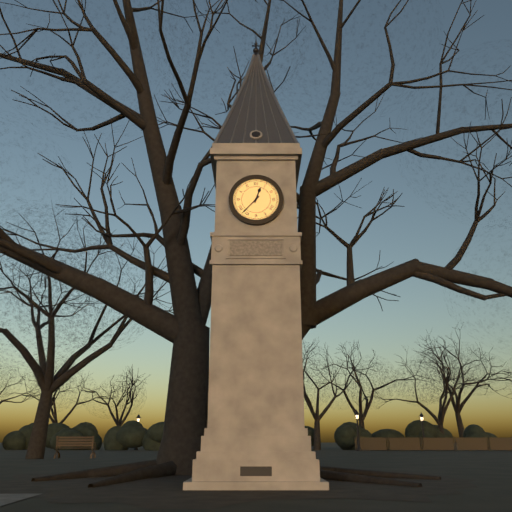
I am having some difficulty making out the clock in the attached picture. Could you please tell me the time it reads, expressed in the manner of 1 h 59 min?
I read 12 h 37 min
